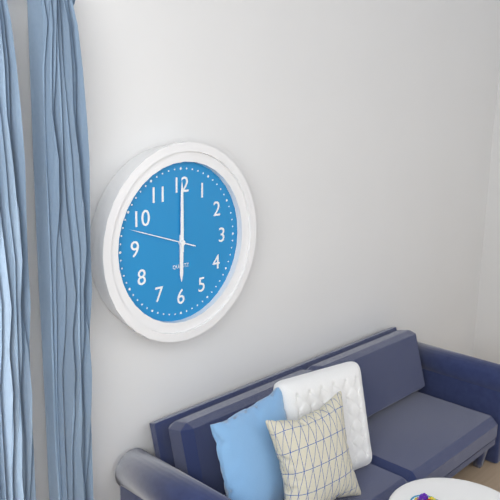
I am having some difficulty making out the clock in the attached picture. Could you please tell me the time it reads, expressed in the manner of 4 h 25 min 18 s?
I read 6 h 00 min 48 s
